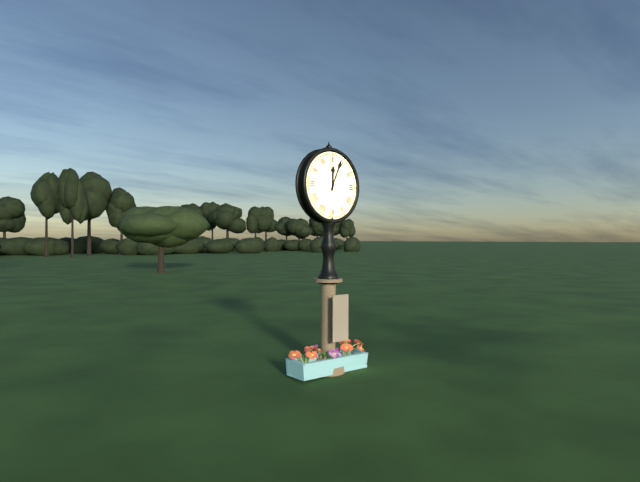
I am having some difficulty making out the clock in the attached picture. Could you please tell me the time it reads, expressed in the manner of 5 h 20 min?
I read 12 h 04 min
